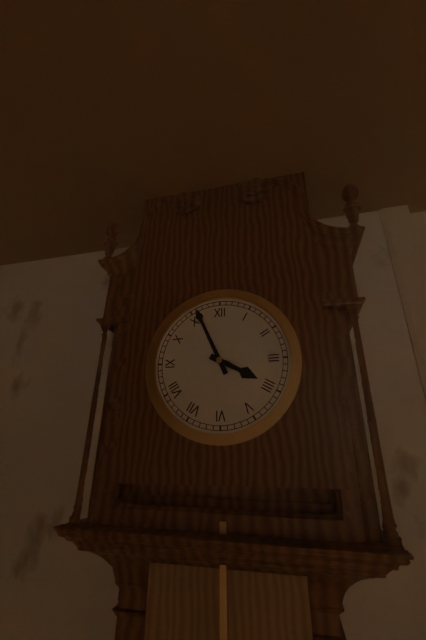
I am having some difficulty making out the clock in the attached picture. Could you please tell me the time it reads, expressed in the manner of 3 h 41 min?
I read 3 h 56 min
